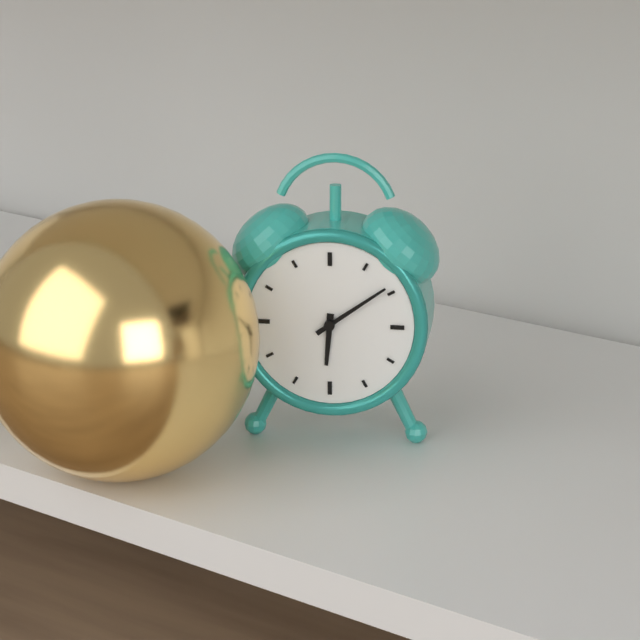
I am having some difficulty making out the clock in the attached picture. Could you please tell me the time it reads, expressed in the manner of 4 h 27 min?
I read 6 h 09 min
